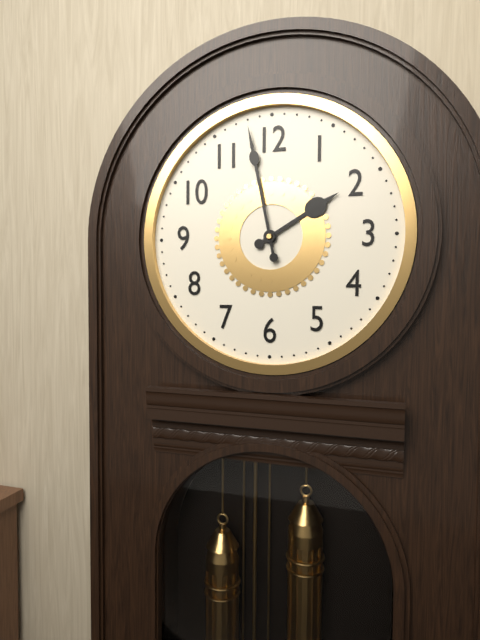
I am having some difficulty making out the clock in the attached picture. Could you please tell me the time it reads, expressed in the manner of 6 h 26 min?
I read 1 h 58 min
